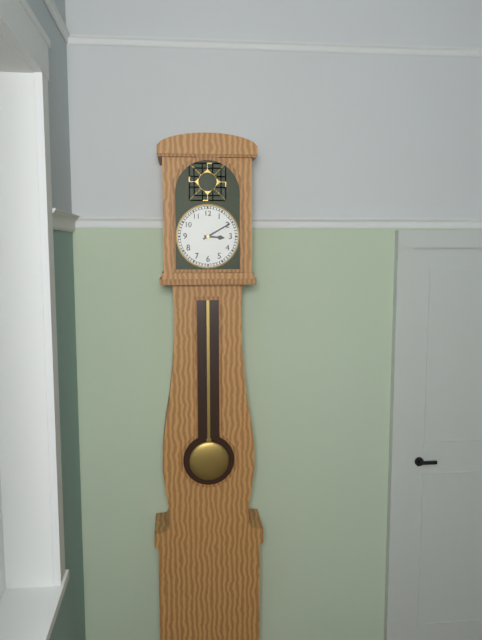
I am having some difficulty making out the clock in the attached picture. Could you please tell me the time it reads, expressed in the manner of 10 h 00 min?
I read 3 h 10 min
